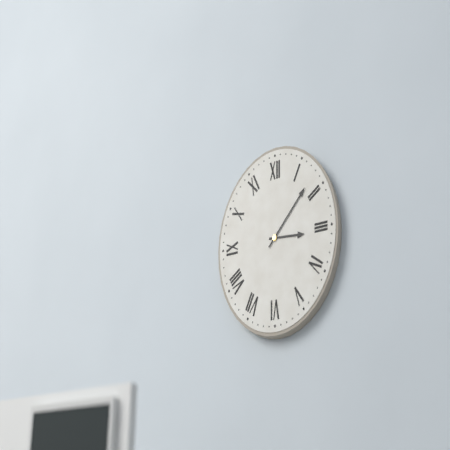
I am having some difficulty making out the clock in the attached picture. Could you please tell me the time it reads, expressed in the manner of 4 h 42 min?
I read 3 h 08 min
